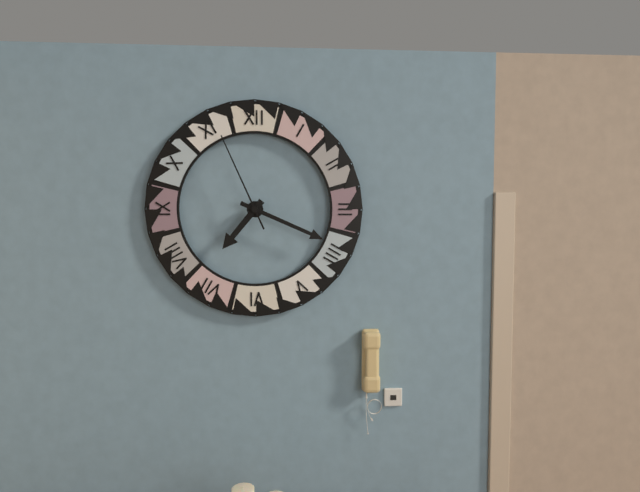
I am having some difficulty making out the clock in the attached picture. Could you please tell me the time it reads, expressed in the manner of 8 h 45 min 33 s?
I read 7 h 19 min 56 s
